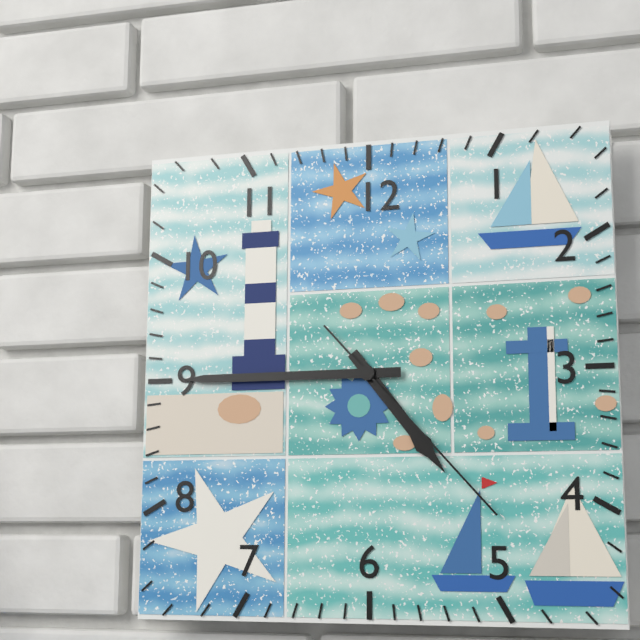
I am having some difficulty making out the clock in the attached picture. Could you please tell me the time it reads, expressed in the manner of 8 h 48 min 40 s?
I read 4 h 45 min 23 s
